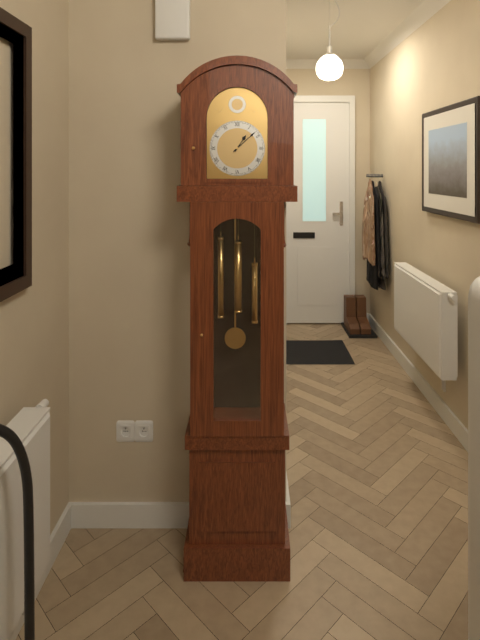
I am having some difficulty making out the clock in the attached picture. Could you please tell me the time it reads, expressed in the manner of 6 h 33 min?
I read 1 h 08 min
